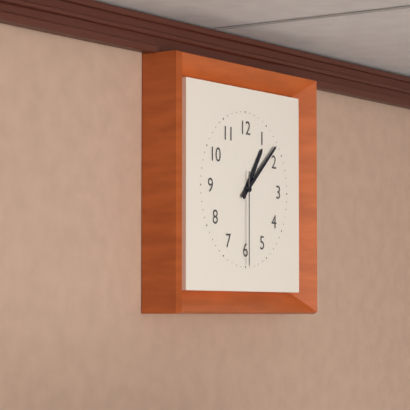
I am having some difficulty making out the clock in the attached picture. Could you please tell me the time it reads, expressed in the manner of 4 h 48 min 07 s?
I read 1 h 08 min 30 s
